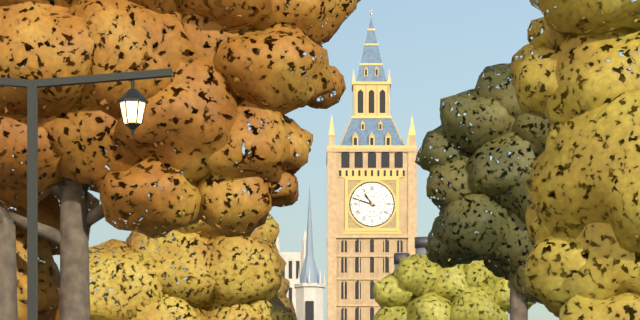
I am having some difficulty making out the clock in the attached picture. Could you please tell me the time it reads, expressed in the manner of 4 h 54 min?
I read 10 h 48 min
